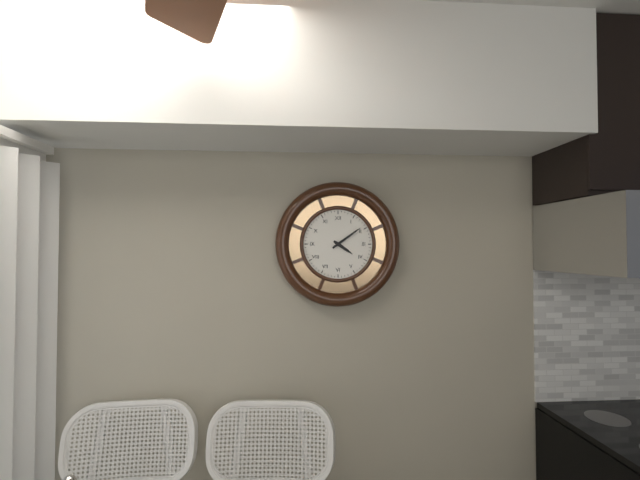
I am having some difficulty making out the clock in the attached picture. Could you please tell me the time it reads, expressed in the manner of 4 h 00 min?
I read 4 h 09 min
